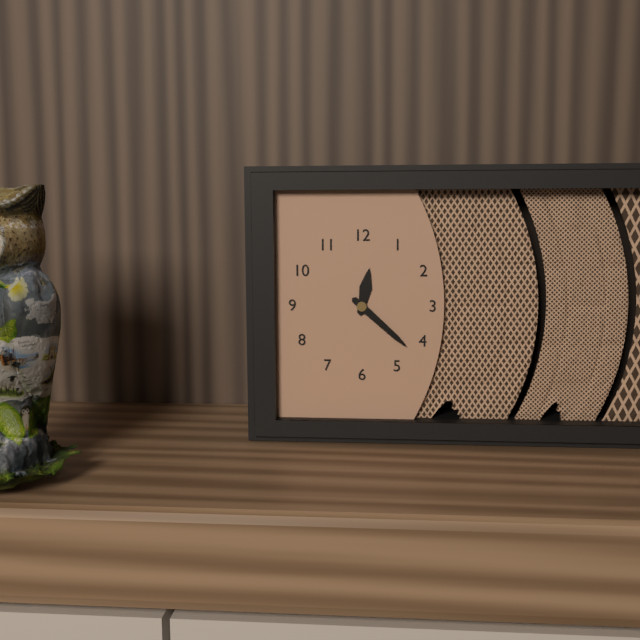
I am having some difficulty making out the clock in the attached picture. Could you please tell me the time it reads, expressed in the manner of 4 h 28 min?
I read 12 h 22 min
